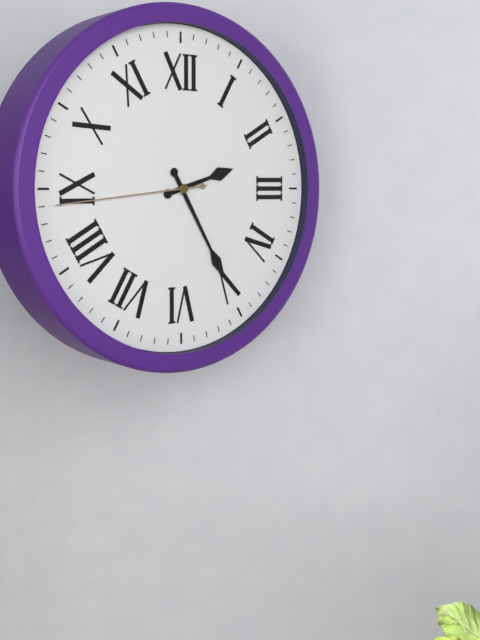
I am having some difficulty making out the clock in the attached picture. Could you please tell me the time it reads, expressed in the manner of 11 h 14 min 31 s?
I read 2 h 25 min 44 s
